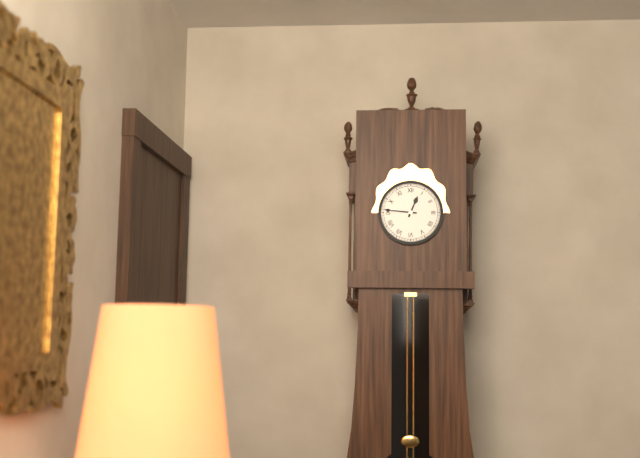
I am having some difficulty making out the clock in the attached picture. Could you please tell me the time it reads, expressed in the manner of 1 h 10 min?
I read 12 h 46 min
